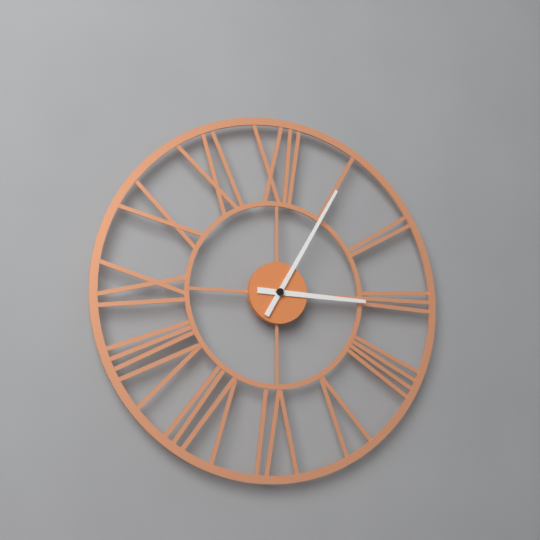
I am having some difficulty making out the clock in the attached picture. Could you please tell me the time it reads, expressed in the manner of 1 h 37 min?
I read 3 h 05 min
